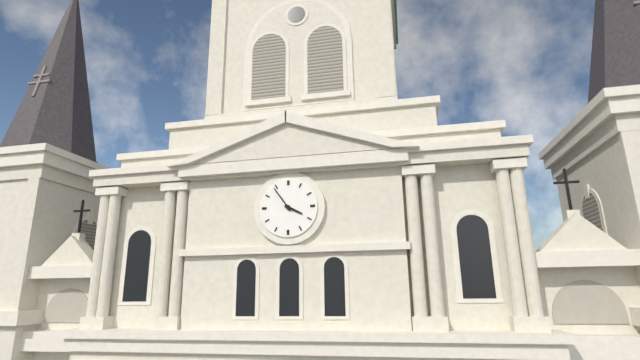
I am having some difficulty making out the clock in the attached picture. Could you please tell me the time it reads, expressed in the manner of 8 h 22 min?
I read 3 h 54 min
